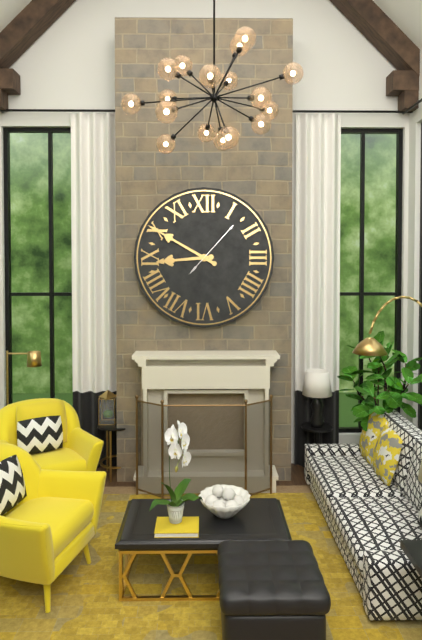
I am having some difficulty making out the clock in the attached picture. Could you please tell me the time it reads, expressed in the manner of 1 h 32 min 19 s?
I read 8 h 50 min 07 s
